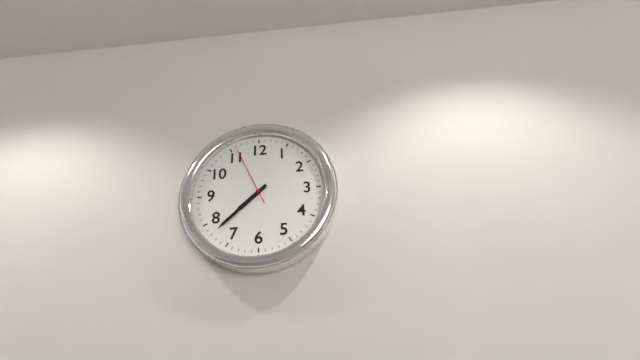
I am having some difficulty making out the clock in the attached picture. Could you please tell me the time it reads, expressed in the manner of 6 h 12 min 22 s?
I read 7 h 38 min 56 s
